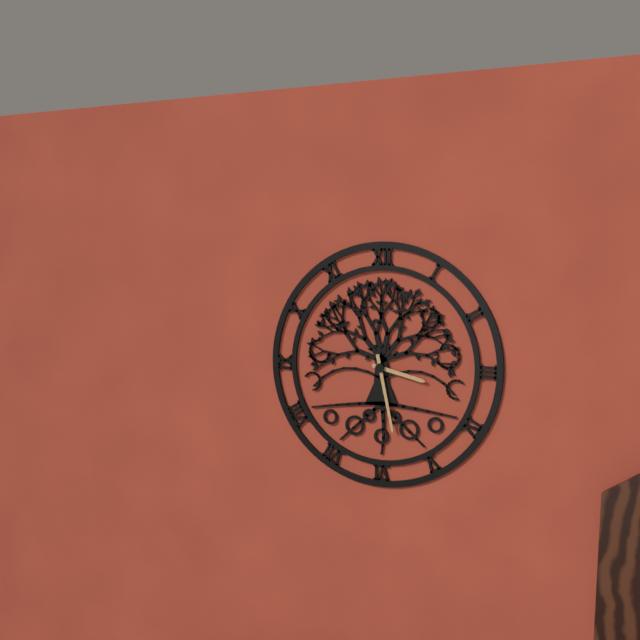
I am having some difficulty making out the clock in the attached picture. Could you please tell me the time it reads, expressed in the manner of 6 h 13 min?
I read 3 h 28 min
